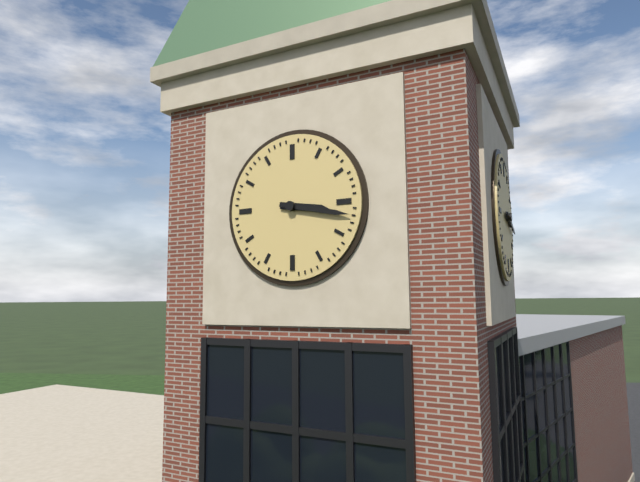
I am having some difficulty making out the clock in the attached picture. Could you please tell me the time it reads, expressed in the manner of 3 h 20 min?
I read 3 h 17 min
